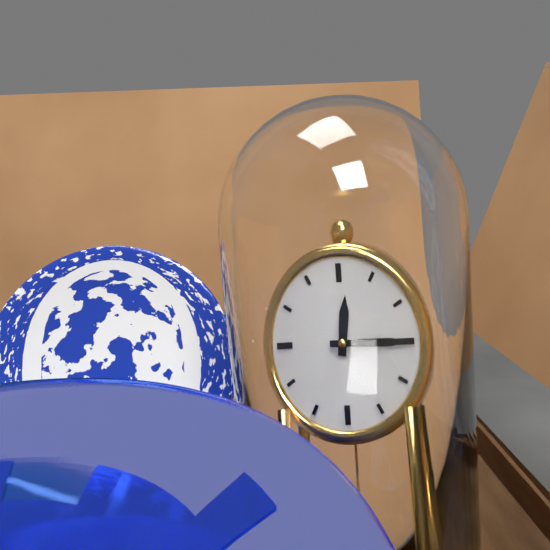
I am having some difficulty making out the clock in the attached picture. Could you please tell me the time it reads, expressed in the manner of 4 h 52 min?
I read 12 h 15 min
